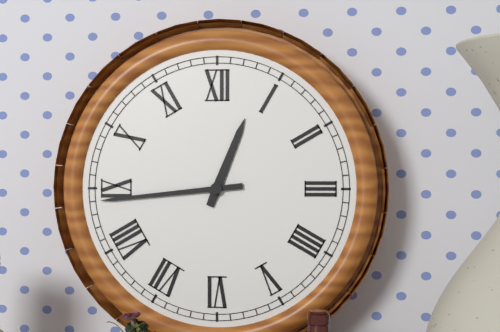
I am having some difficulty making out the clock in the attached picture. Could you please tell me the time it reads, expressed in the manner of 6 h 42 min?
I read 12 h 44 min
